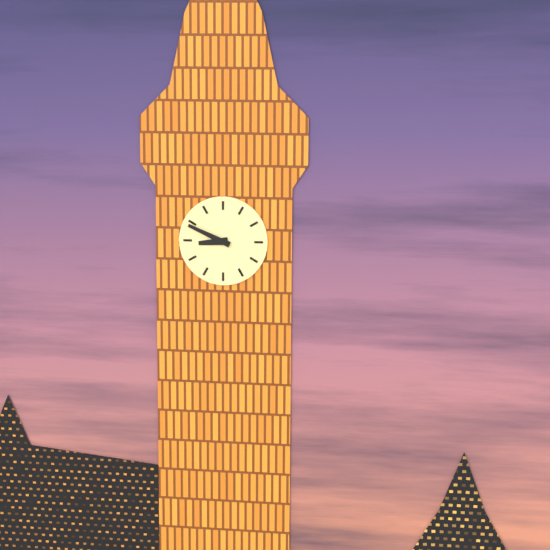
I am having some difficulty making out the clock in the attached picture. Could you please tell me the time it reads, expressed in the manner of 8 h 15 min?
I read 8 h 49 min
